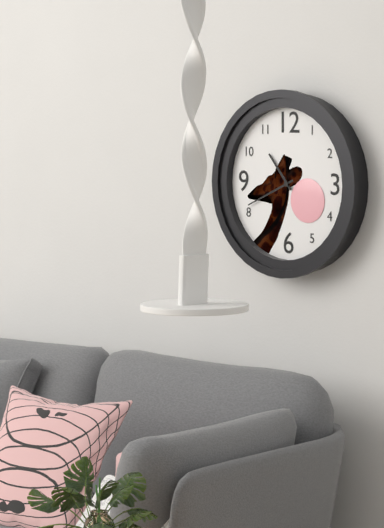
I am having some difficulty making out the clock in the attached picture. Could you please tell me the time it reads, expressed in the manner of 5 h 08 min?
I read 10 h 41 min
